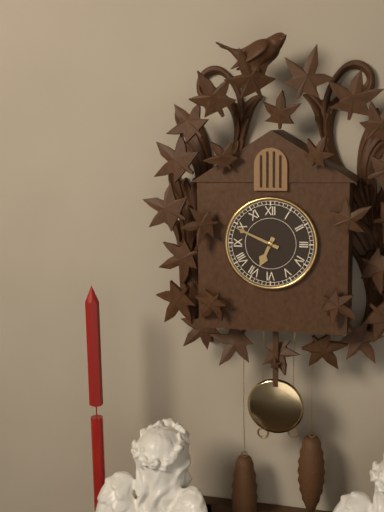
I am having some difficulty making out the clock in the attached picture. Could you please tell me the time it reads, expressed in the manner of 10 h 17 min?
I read 6 h 49 min
